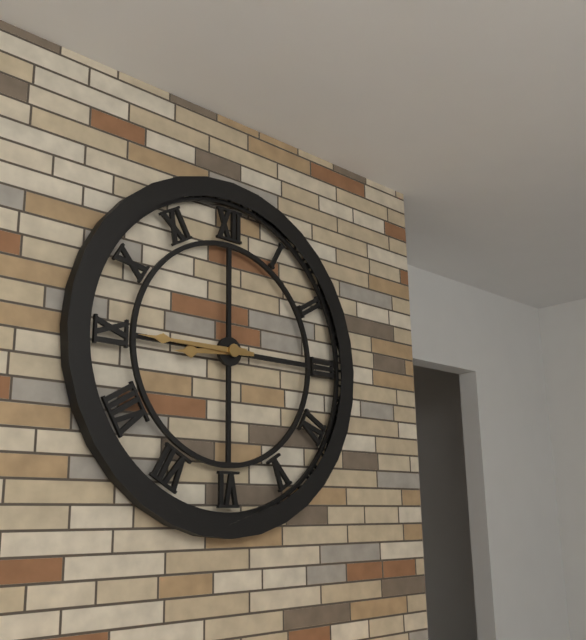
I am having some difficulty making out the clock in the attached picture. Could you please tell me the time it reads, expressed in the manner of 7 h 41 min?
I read 8 h 45 min
